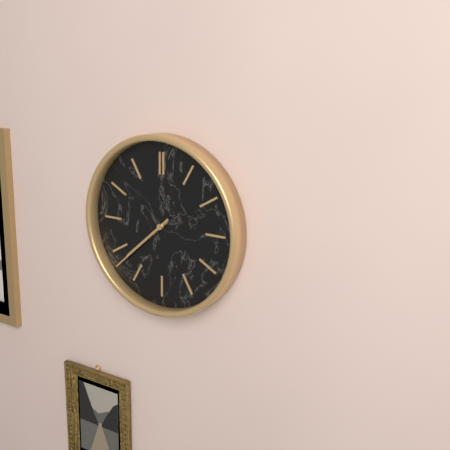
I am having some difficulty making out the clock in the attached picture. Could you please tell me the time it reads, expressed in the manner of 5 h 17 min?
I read 7 h 38 min
